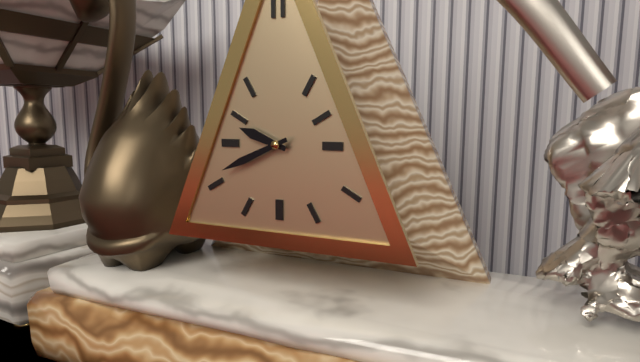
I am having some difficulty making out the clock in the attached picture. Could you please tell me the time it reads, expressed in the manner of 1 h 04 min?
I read 9 h 41 min
